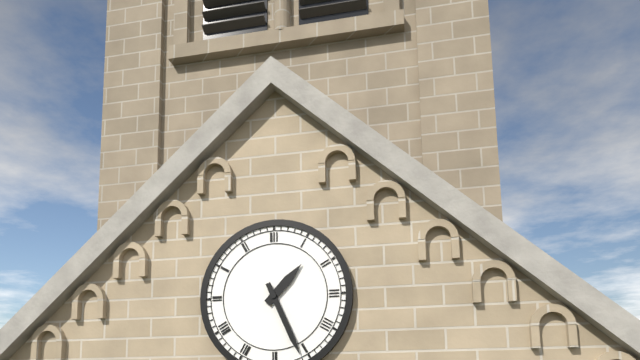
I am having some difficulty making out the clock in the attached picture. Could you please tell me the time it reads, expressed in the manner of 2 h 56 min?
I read 1 h 26 min
